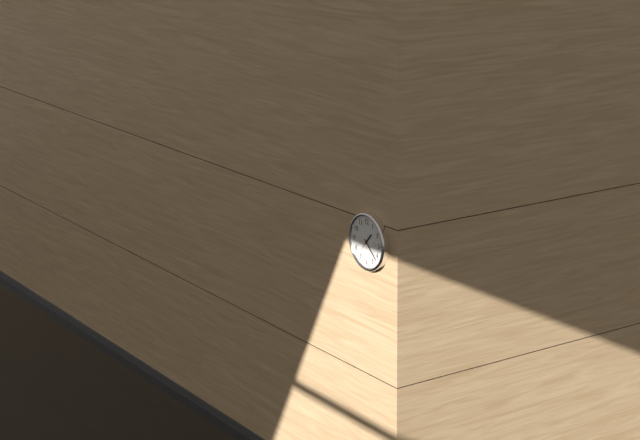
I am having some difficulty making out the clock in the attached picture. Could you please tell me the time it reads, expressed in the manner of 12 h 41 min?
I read 1 h 22 min
